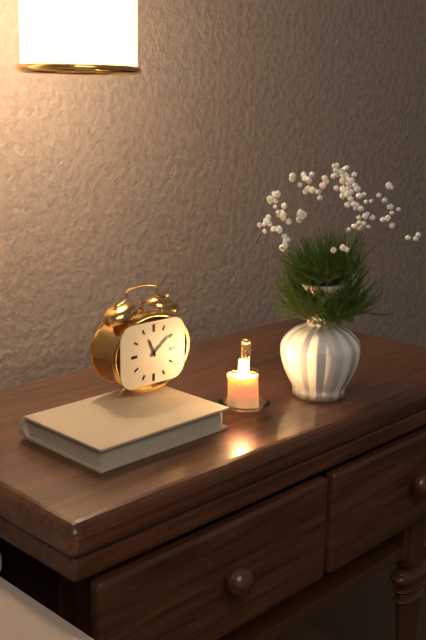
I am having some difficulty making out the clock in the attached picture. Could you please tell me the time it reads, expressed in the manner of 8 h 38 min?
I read 11 h 09 min
